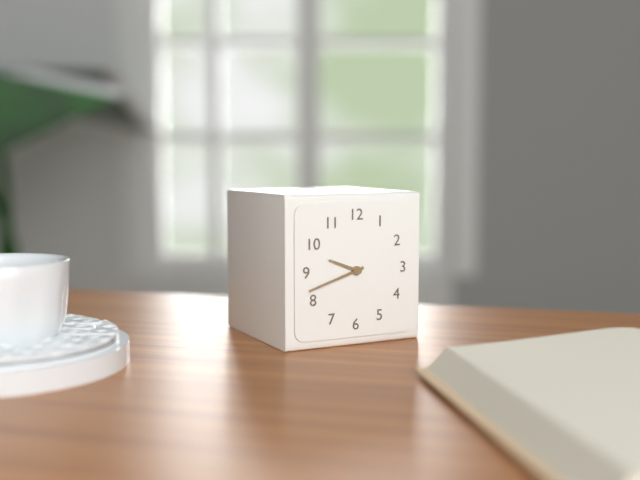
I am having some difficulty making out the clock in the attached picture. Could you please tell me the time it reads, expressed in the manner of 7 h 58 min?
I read 9 h 42 min
